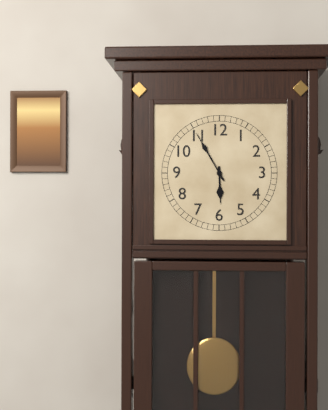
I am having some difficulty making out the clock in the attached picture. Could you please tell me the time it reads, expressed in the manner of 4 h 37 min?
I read 5 h 55 min
